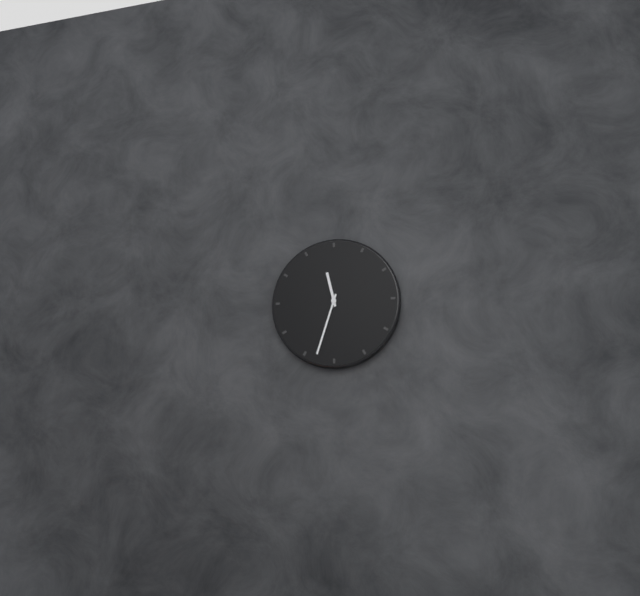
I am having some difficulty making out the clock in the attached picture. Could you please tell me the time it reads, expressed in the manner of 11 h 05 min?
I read 11 h 33 min
